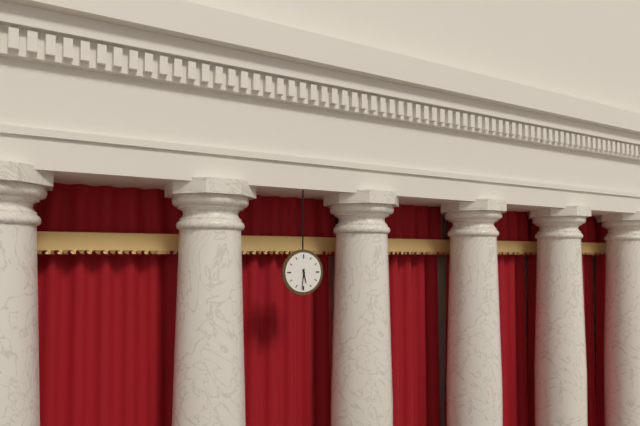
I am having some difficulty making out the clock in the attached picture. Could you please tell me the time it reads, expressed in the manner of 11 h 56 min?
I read 5 h 31 min
